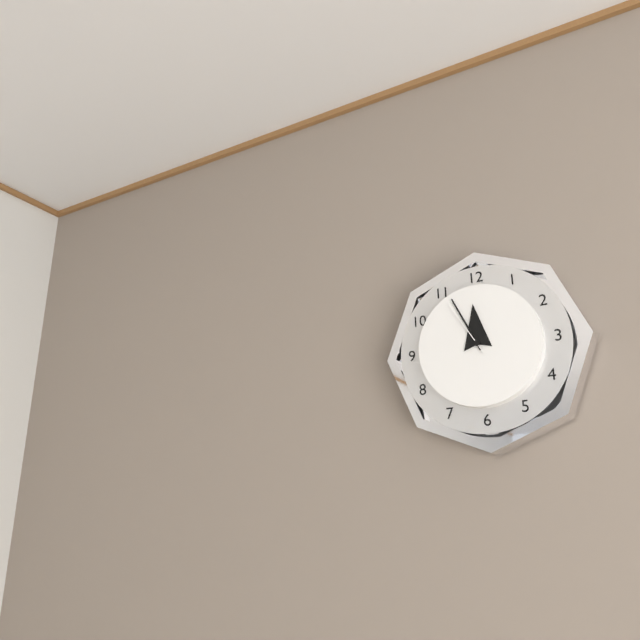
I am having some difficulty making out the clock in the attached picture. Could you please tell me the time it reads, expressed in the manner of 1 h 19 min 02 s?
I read 11 h 56 min 55 s
